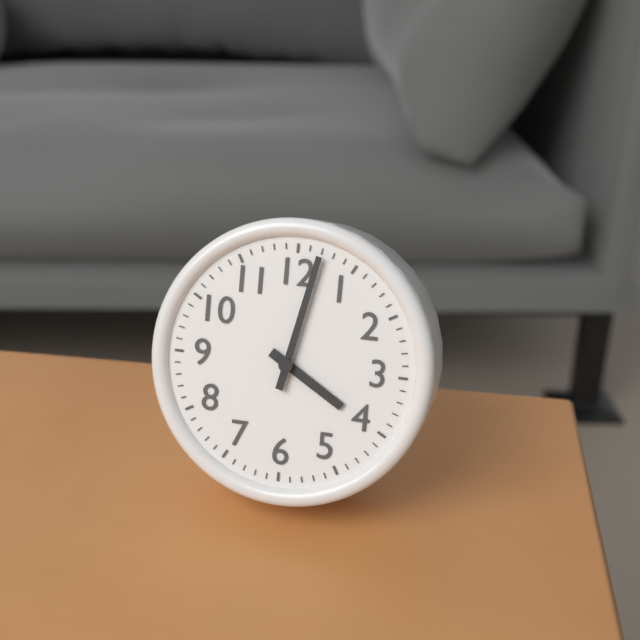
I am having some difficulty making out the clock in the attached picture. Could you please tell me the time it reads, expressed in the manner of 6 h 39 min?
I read 4 h 02 min
